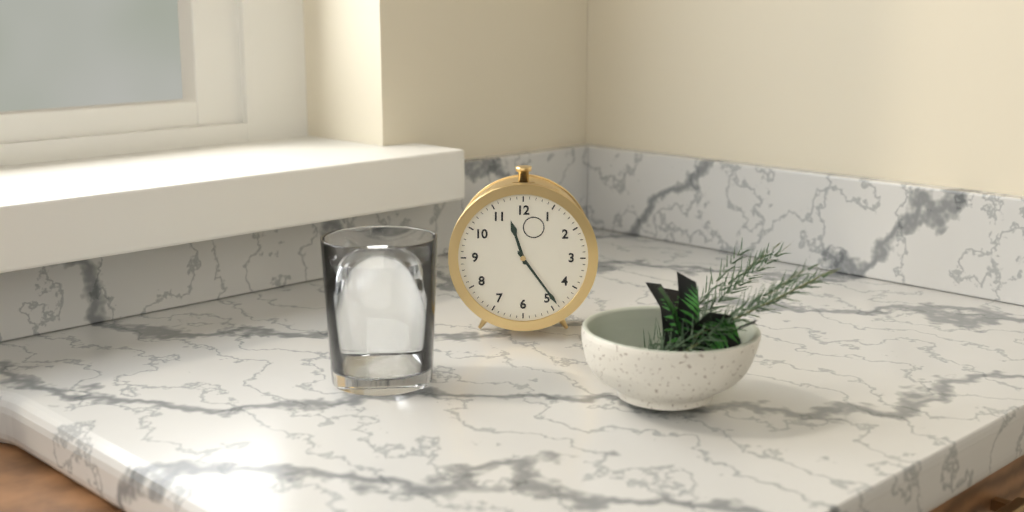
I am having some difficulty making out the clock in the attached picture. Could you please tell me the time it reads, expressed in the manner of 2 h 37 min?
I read 11 h 24 min
